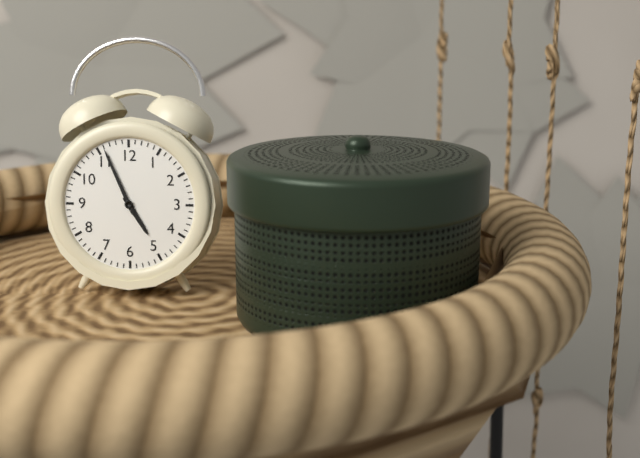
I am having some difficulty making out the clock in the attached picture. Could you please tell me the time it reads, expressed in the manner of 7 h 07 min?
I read 4 h 56 min
